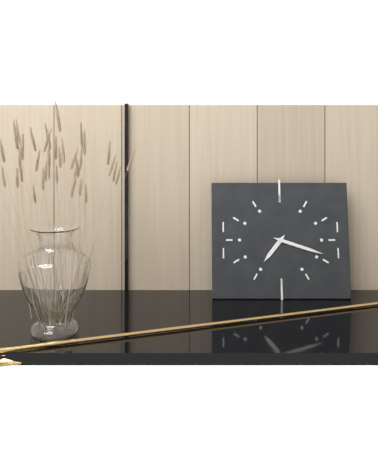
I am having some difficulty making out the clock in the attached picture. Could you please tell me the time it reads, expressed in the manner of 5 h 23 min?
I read 7 h 18 min
